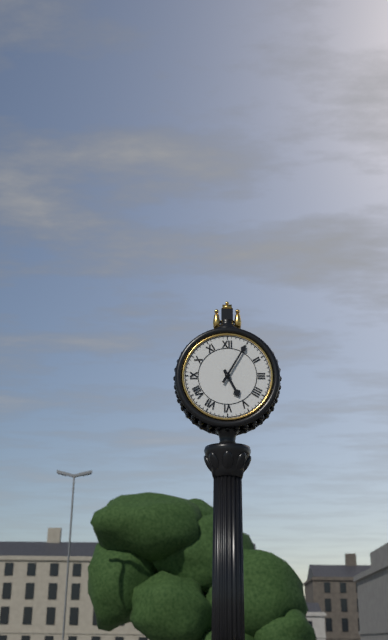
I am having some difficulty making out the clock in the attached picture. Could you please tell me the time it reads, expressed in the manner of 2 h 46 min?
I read 5 h 05 min
